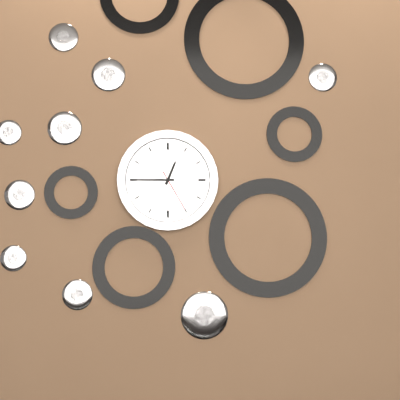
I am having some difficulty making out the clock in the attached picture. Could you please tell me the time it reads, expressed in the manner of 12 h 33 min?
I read 12 h 45 min
